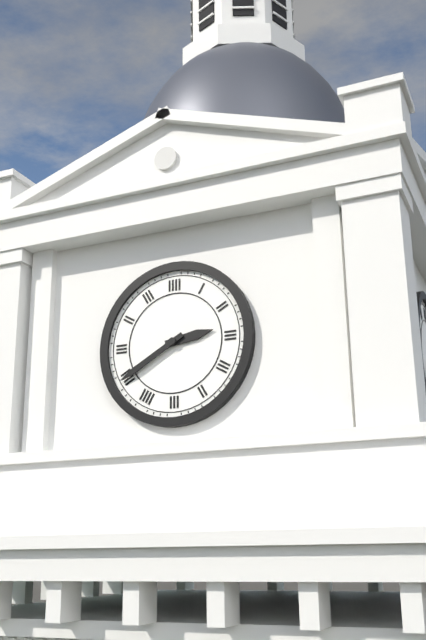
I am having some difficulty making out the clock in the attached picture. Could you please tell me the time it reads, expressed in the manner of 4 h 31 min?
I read 2 h 40 min
